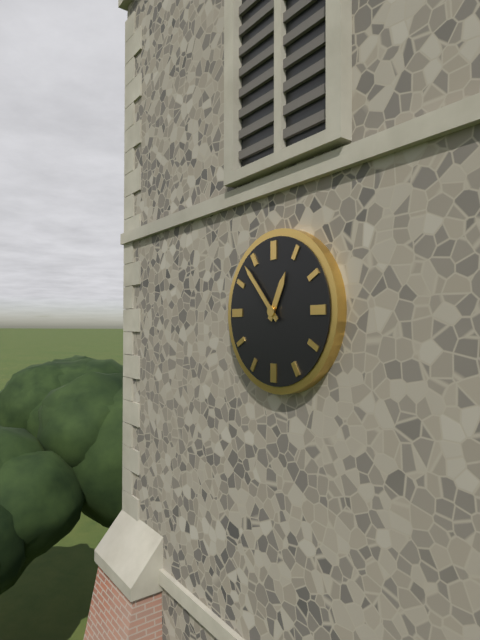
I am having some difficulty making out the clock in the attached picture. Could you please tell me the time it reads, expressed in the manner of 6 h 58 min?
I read 12 h 53 min
